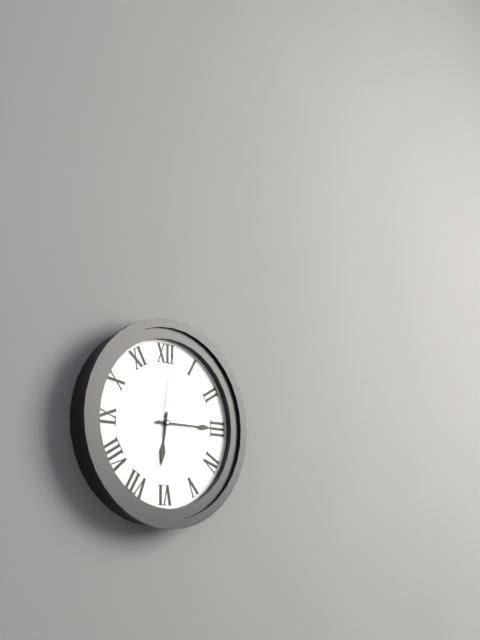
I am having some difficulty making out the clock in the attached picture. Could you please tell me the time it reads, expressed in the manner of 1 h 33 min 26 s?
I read 6 h 15 min 01 s
